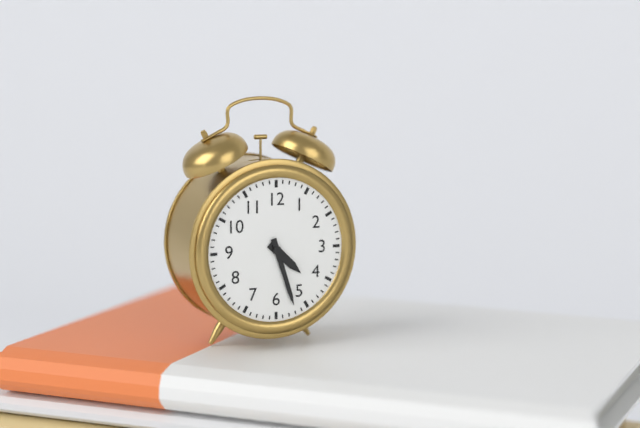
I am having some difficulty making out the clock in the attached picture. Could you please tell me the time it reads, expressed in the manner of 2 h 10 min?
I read 4 h 27 min
